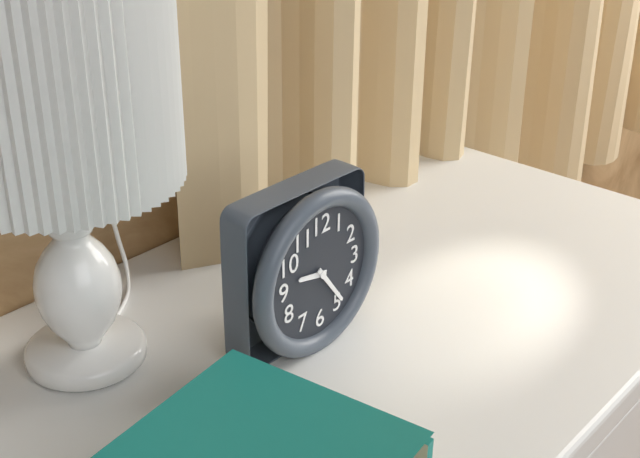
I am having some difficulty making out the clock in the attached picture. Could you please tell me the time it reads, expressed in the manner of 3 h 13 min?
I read 9 h 24 min
